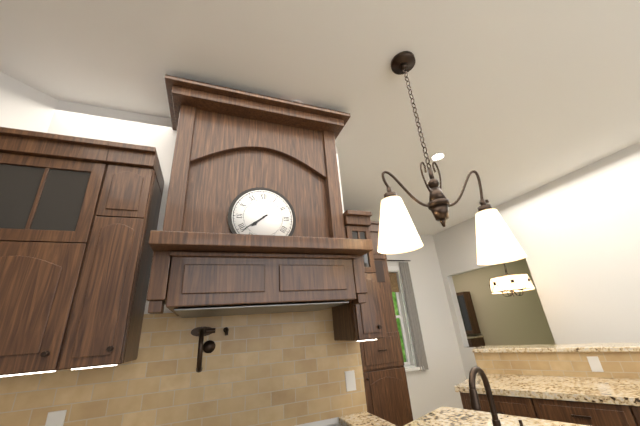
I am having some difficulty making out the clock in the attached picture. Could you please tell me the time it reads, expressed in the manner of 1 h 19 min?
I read 7 h 39 min
